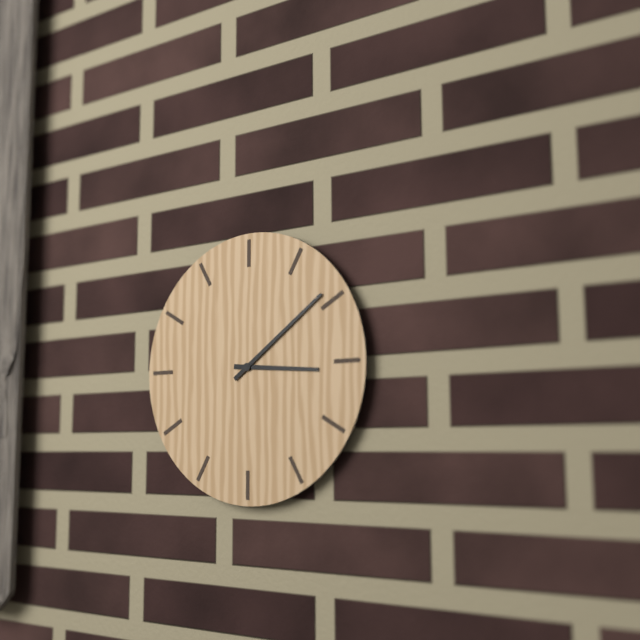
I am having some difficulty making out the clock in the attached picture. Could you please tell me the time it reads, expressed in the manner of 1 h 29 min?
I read 3 h 09 min
